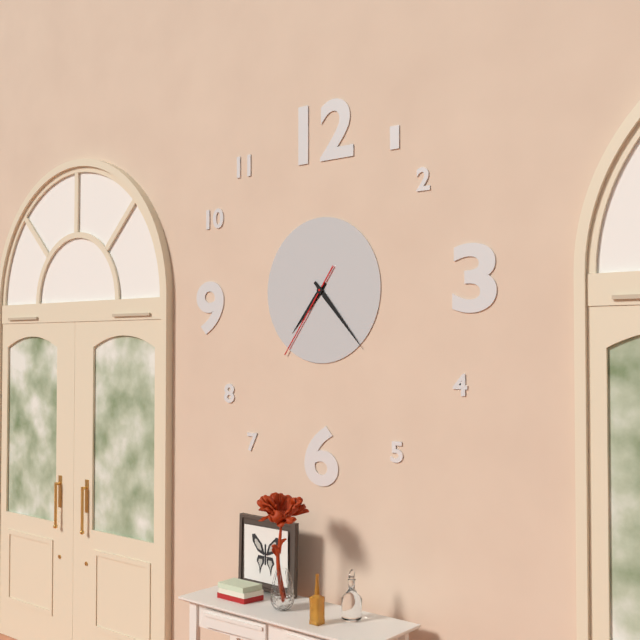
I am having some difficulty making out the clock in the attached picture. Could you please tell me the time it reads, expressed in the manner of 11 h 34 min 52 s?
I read 7 h 23 min 36 s
